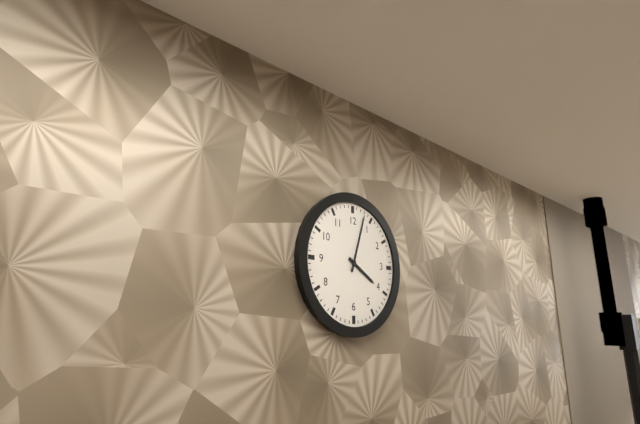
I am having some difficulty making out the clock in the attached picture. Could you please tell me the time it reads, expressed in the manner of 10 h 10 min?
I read 4 h 03 min
